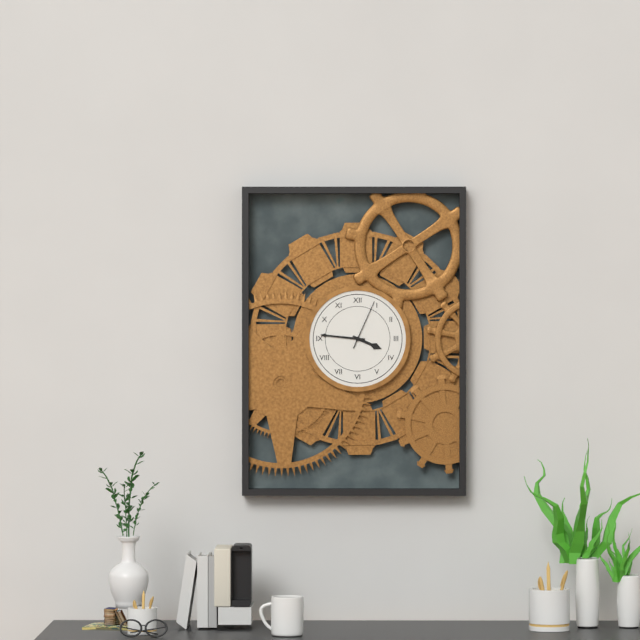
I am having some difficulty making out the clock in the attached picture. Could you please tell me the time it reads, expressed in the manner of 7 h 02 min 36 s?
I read 3 h 46 min 04 s
